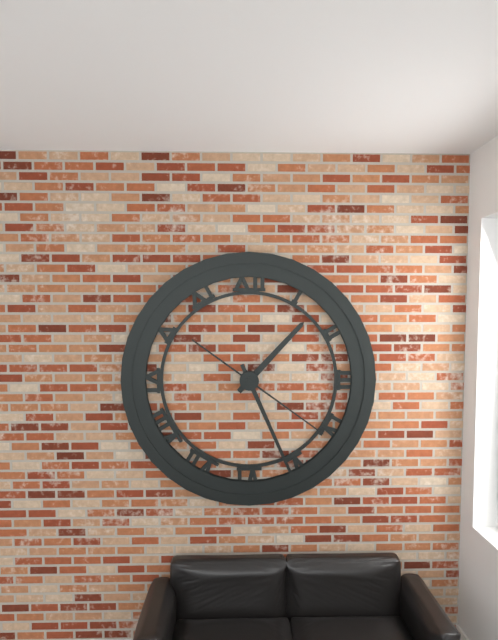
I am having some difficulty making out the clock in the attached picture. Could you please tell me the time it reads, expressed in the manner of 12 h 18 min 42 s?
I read 1 h 26 min 21 s
